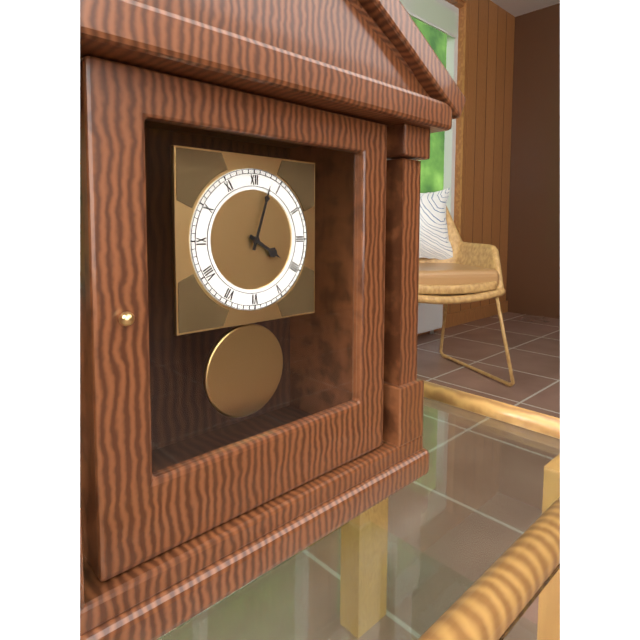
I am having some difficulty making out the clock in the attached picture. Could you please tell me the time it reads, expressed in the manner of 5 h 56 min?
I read 4 h 03 min
